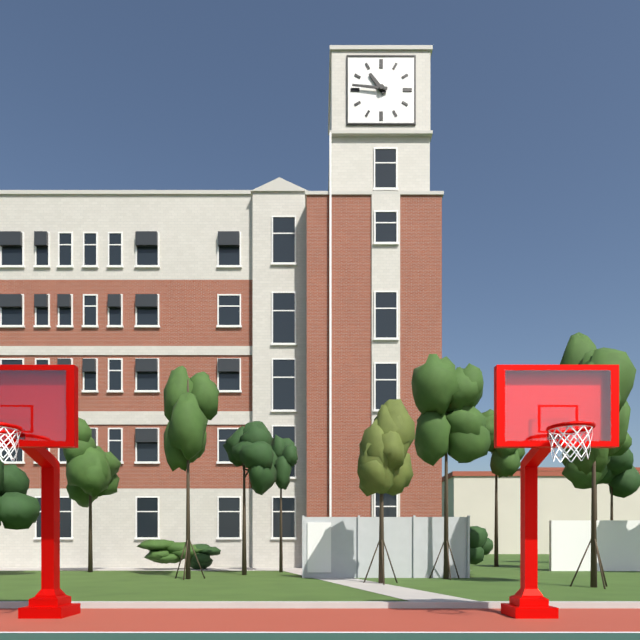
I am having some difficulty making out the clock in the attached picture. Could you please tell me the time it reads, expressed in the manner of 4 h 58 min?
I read 10 h 46 min
